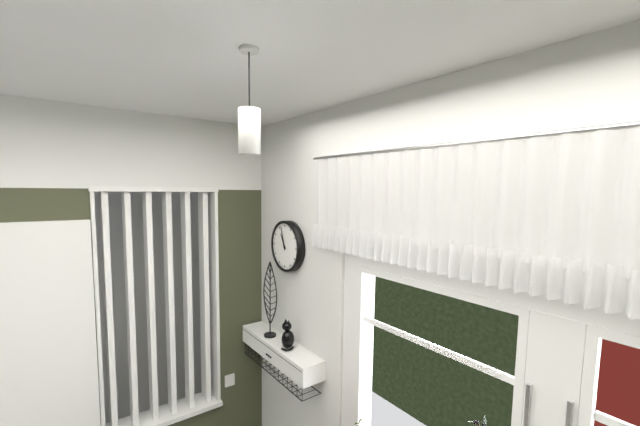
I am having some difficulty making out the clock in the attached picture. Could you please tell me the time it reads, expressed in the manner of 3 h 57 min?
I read 10 h 57 min
